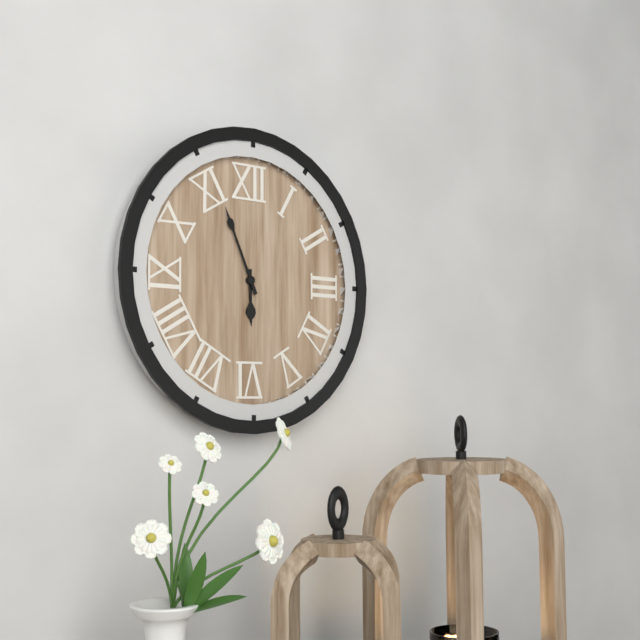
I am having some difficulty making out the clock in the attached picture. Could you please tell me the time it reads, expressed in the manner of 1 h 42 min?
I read 5 h 56 min
